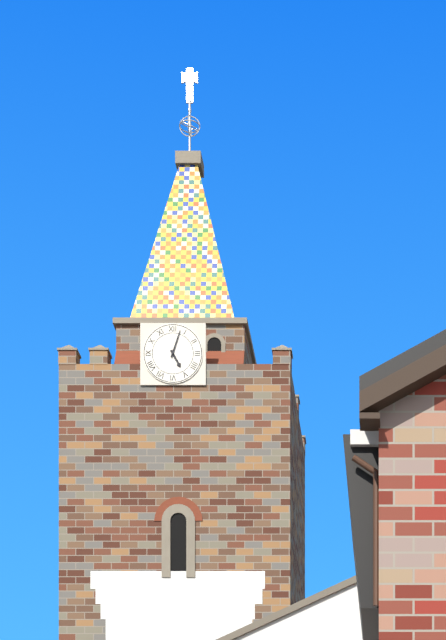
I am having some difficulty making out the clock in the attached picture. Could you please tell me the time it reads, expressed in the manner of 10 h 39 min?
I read 5 h 03 min
